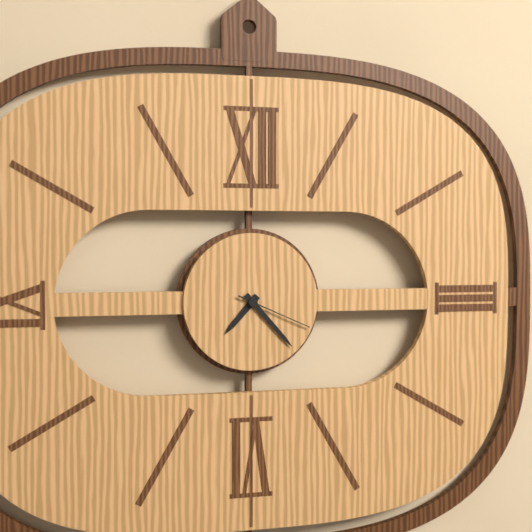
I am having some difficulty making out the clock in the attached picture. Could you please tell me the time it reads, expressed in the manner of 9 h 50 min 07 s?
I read 7 h 23 min 19 s
